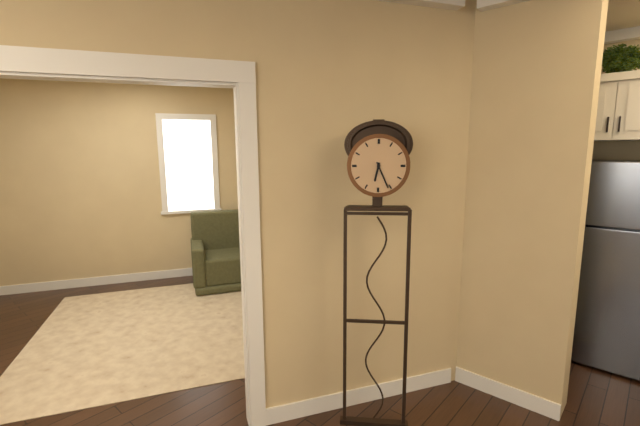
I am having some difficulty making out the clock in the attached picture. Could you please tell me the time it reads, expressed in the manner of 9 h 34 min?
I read 6 h 26 min
